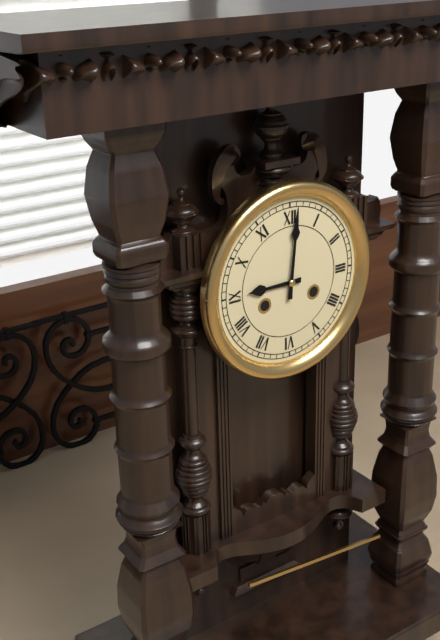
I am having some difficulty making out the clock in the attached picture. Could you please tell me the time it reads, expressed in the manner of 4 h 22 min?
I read 9 h 01 min
